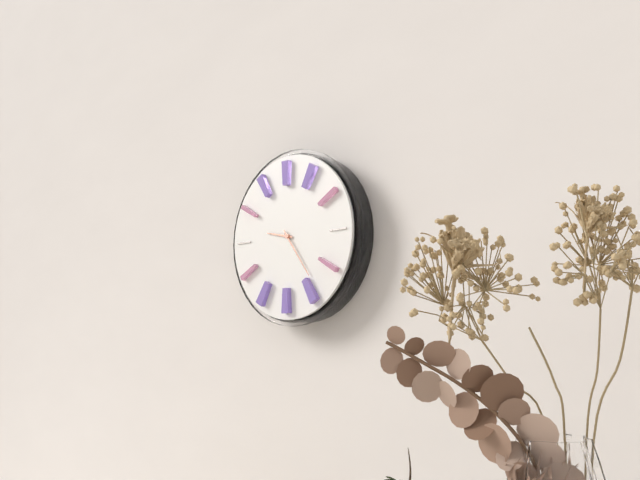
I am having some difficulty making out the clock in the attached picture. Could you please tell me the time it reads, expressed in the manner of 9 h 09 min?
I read 9 h 24 min
